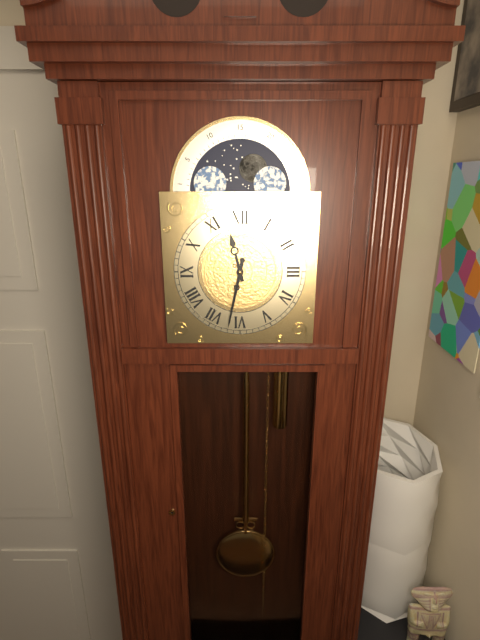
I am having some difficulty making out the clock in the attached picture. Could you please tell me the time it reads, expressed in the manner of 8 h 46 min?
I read 11 h 32 min
